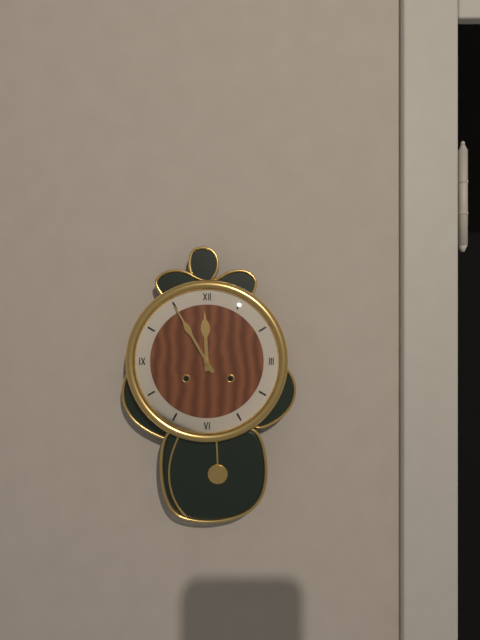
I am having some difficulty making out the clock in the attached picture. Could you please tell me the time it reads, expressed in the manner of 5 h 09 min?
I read 11 h 55 min
